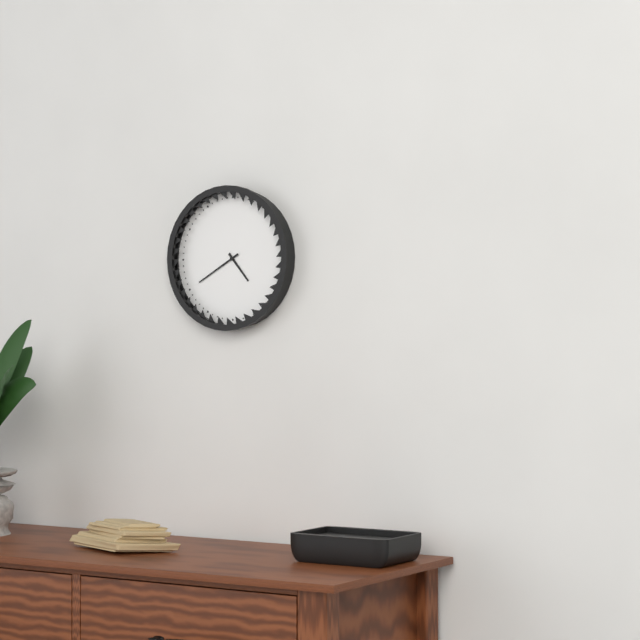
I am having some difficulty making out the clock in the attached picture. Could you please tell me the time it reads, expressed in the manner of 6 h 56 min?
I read 4 h 40 min
